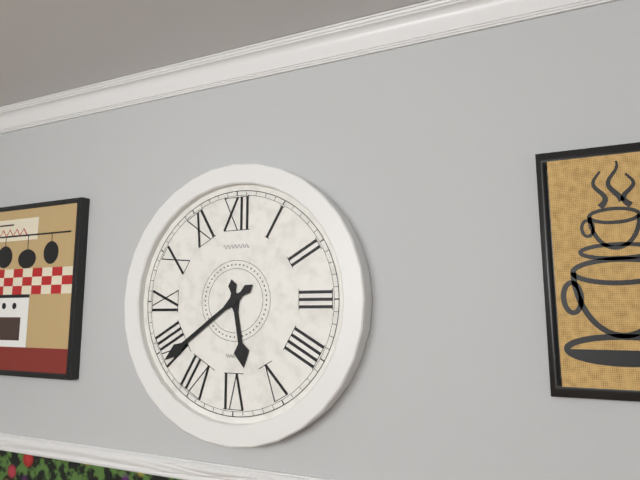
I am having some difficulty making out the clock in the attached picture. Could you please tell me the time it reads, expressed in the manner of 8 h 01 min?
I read 5 h 39 min
